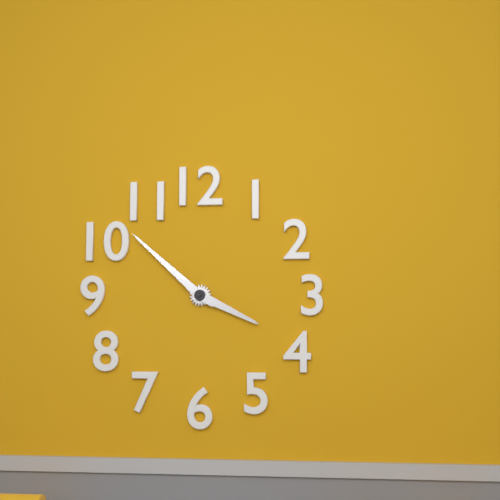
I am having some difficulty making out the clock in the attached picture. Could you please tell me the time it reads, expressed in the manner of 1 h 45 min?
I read 3 h 52 min
